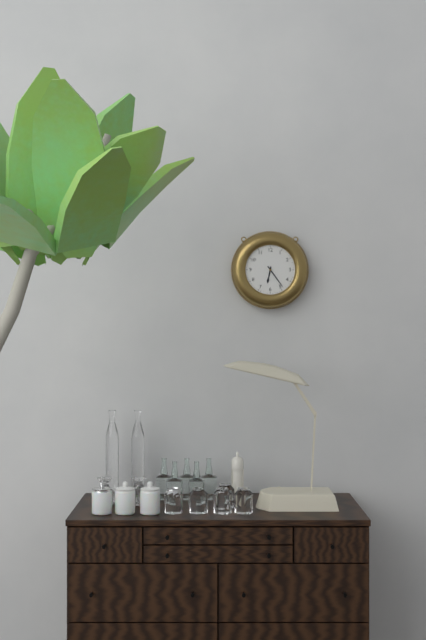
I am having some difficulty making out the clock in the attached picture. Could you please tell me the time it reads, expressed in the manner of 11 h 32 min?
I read 6 h 24 min
